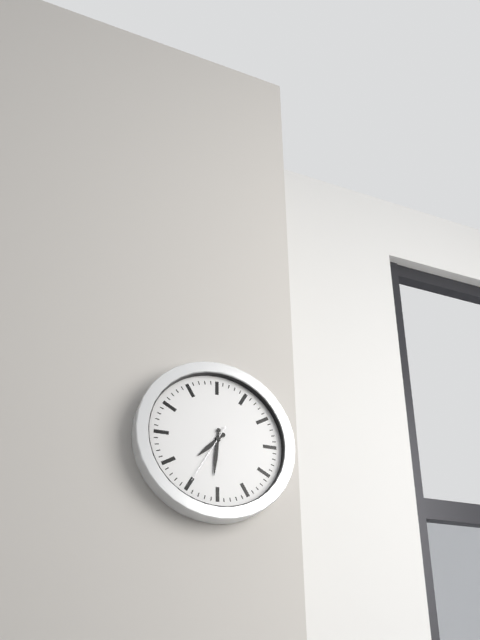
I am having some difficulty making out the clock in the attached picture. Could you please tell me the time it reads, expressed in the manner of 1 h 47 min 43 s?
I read 7 h 31 min 35 s
